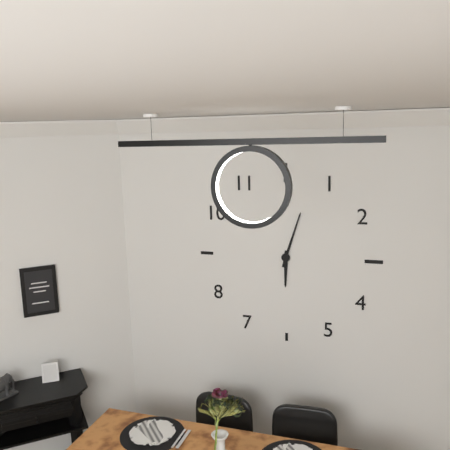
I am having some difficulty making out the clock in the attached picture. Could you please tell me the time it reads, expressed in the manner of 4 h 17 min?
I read 6 h 03 min
